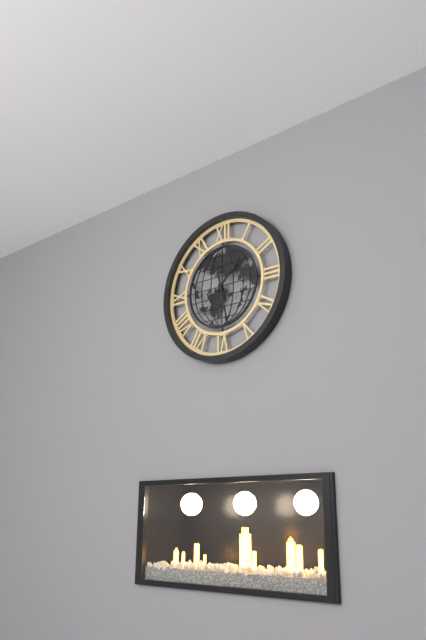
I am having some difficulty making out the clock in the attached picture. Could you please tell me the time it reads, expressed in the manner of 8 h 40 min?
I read 1 h 28 min
